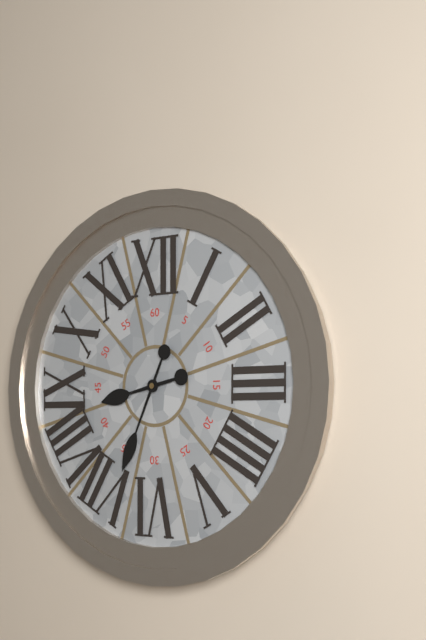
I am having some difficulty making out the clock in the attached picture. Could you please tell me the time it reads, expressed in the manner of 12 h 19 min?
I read 8 h 34 min
